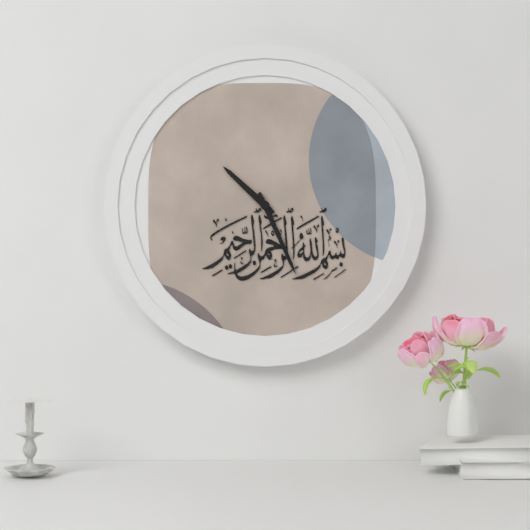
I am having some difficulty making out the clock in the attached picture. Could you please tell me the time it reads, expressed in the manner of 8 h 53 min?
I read 10 h 26 min
